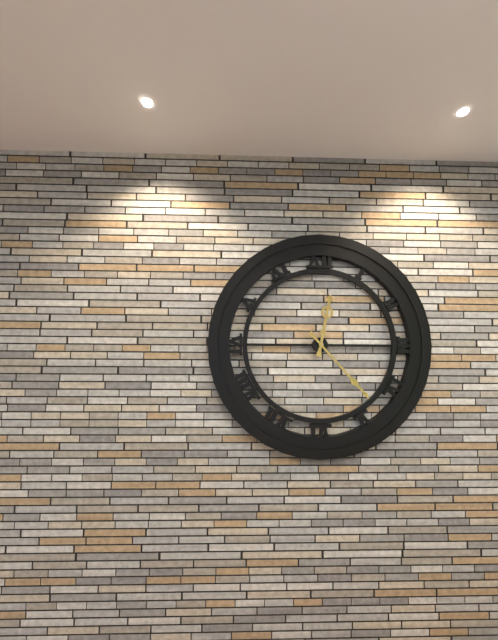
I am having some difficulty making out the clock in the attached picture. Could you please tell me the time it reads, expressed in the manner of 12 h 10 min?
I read 12 h 23 min
